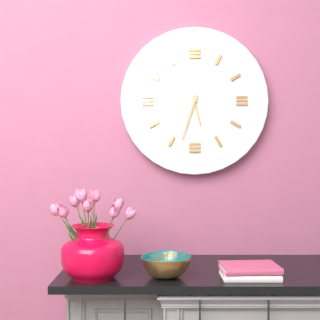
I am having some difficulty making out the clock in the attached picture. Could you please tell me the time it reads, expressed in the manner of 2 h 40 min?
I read 5 h 33 min
